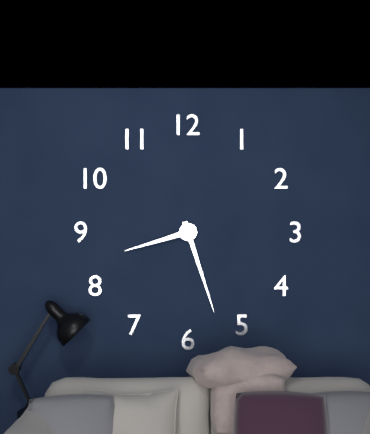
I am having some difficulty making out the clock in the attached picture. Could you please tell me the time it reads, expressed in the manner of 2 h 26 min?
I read 8 h 27 min
